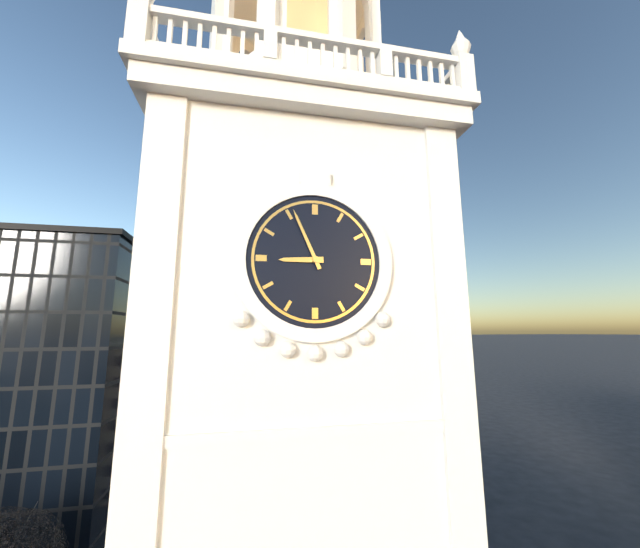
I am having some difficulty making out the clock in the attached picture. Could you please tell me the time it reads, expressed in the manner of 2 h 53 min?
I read 8 h 56 min
